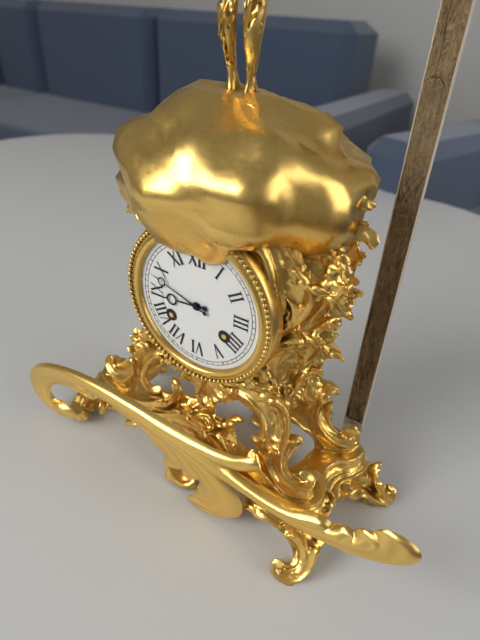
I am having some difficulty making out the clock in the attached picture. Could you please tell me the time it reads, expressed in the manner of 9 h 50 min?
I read 8 h 48 min
